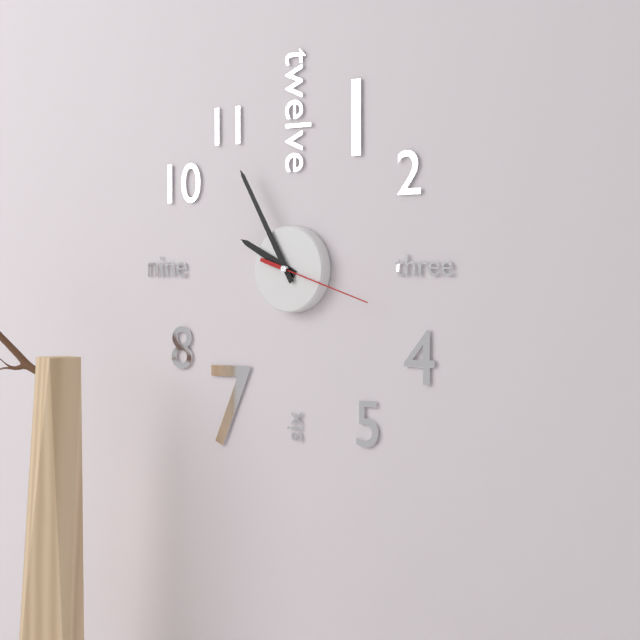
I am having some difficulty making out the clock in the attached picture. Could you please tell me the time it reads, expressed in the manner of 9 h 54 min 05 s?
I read 9 h 55 min 18 s
